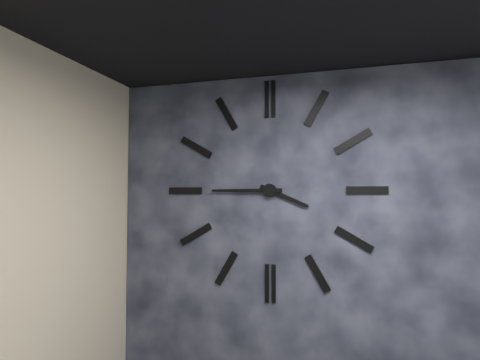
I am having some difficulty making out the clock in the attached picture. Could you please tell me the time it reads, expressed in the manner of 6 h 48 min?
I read 3 h 45 min
